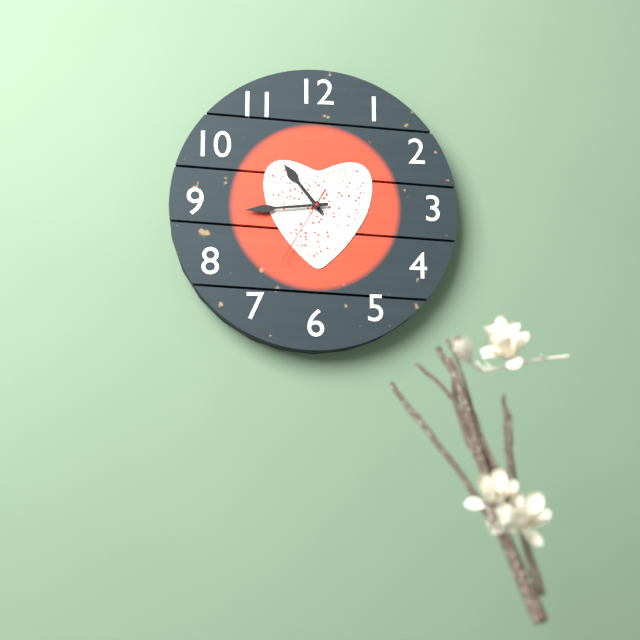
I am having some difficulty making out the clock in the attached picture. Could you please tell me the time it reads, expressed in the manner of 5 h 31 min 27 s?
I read 10 h 44 min 35 s
